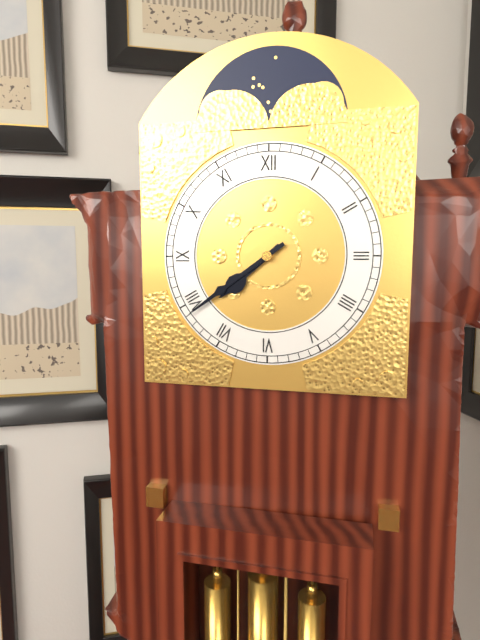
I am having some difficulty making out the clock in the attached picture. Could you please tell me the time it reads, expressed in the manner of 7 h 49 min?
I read 7 h 39 min
